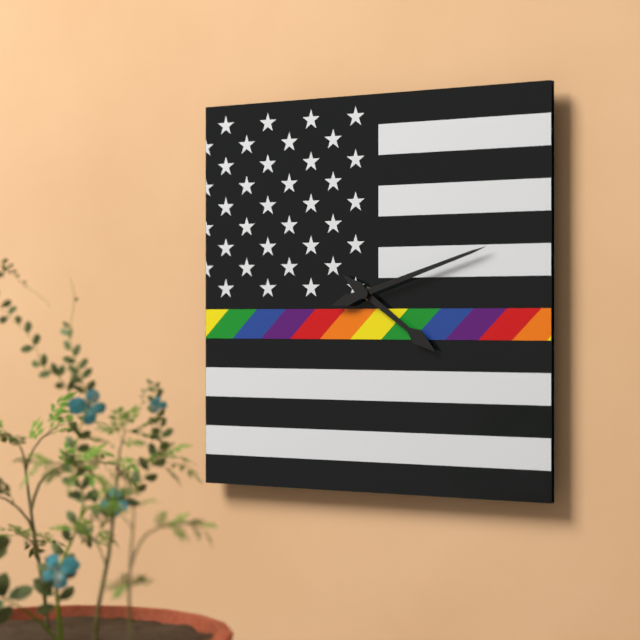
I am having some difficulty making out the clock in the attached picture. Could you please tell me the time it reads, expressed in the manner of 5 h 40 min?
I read 4 h 12 min
